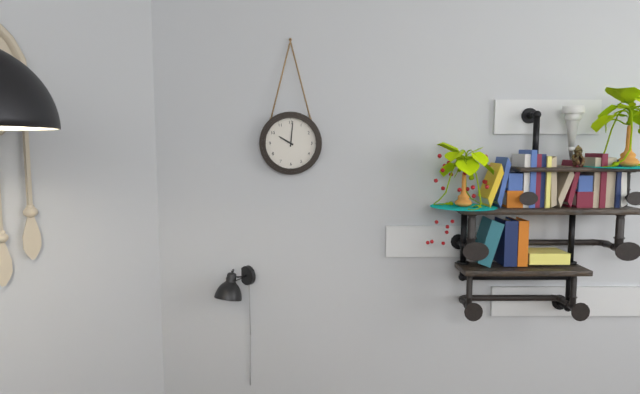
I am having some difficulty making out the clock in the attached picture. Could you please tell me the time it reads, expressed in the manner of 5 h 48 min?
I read 10 h 01 min
